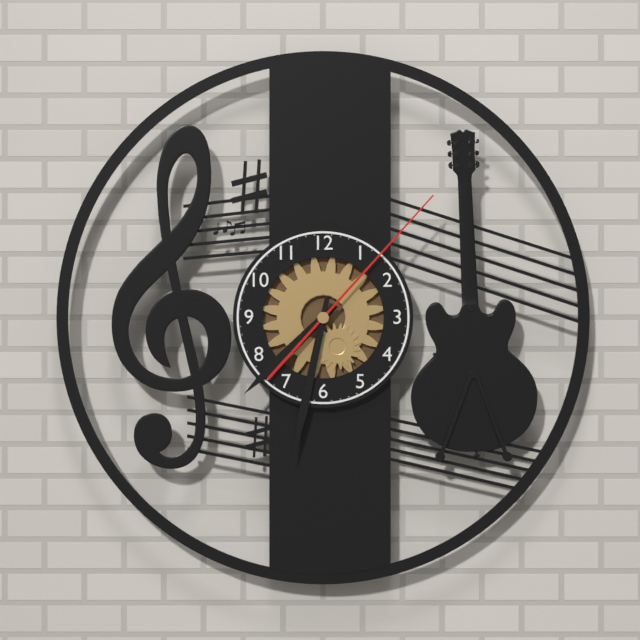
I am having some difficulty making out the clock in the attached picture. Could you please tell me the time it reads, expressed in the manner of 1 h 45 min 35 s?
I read 7 h 32 min 07 s
